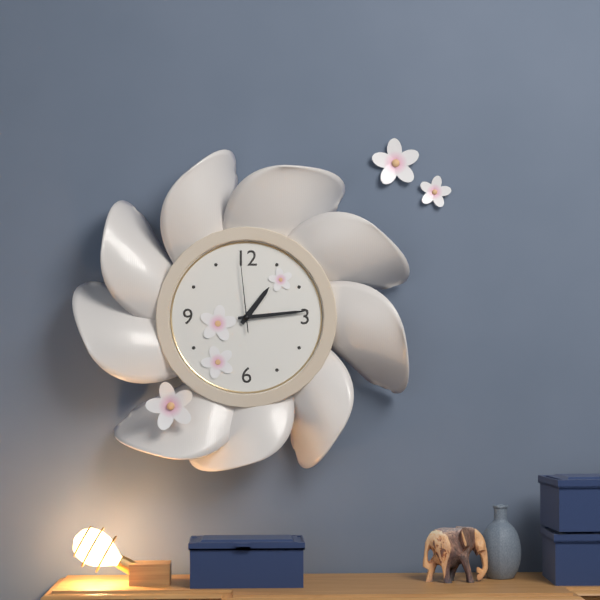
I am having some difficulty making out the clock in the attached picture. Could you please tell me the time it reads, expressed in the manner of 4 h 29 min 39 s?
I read 1 h 14 min 59 s
